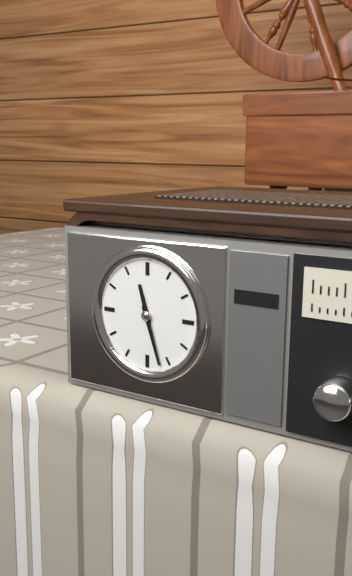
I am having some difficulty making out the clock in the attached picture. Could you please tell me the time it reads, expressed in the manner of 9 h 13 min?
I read 11 h 27 min
